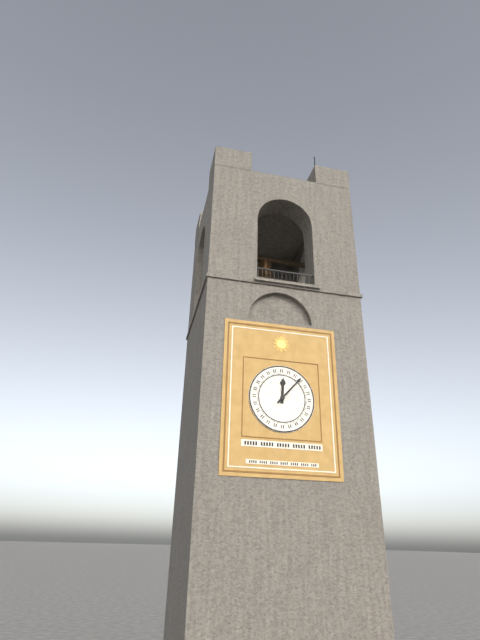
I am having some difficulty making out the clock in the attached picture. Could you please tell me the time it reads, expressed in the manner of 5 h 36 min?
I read 12 h 07 min
